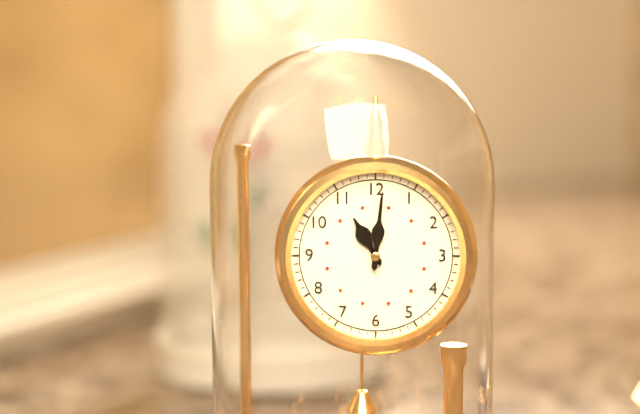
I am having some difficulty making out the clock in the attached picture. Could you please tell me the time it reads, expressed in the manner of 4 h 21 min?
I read 11 h 01 min
